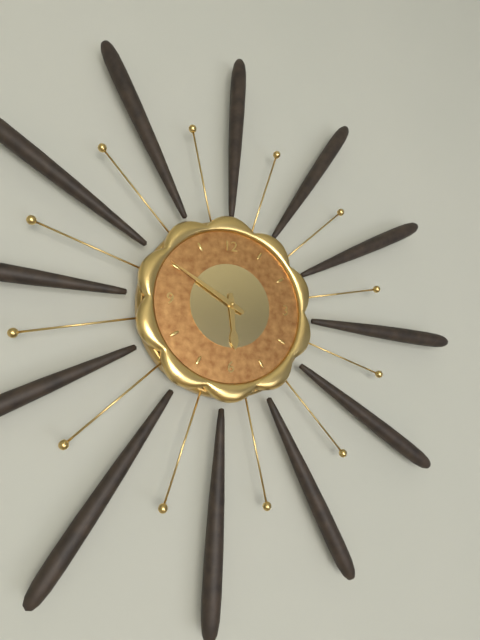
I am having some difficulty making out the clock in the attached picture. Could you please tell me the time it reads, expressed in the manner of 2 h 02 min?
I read 5 h 50 min
